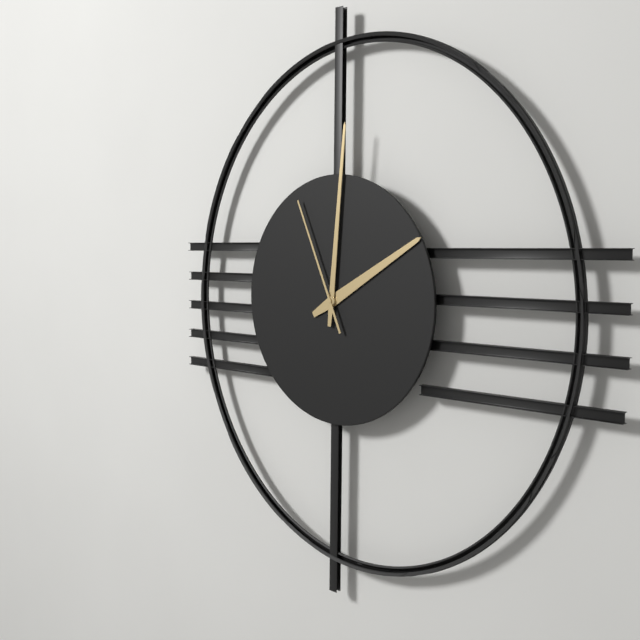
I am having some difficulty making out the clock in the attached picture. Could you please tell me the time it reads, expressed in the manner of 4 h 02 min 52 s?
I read 2 h 01 min 56 s
